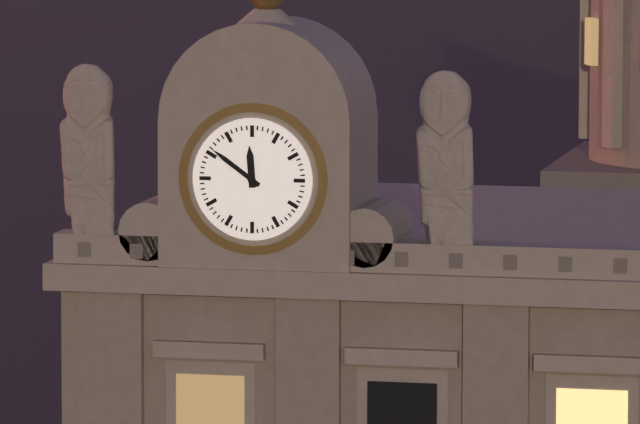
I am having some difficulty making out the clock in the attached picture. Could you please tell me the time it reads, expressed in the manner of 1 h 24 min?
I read 11 h 51 min
